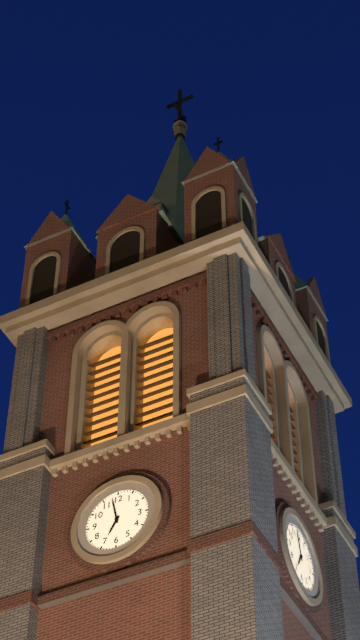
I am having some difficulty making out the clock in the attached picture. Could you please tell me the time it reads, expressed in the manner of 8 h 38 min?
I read 6 h 58 min
